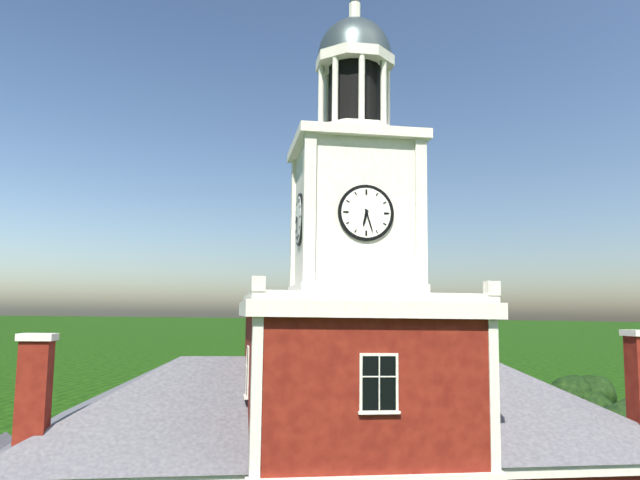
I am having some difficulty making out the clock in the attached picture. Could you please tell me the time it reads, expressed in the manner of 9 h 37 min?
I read 6 h 27 min
